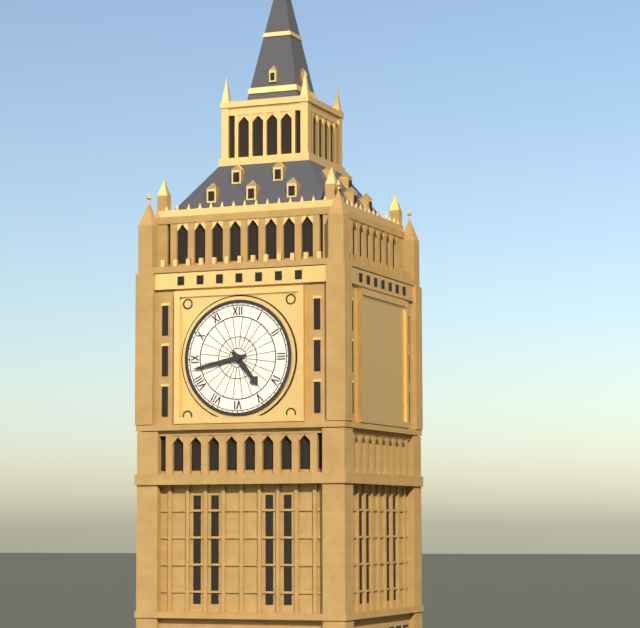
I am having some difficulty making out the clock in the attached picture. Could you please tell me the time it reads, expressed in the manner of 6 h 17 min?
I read 4 h 43 min
